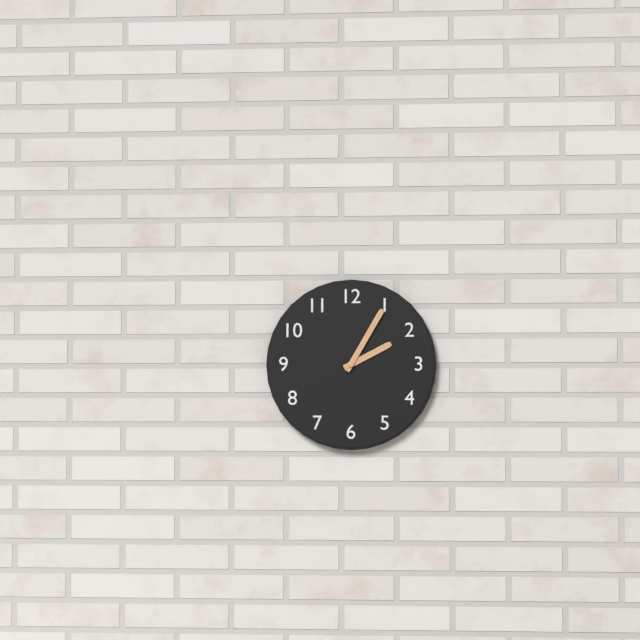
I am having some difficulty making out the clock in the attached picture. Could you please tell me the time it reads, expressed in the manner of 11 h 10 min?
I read 2 h 05 min
